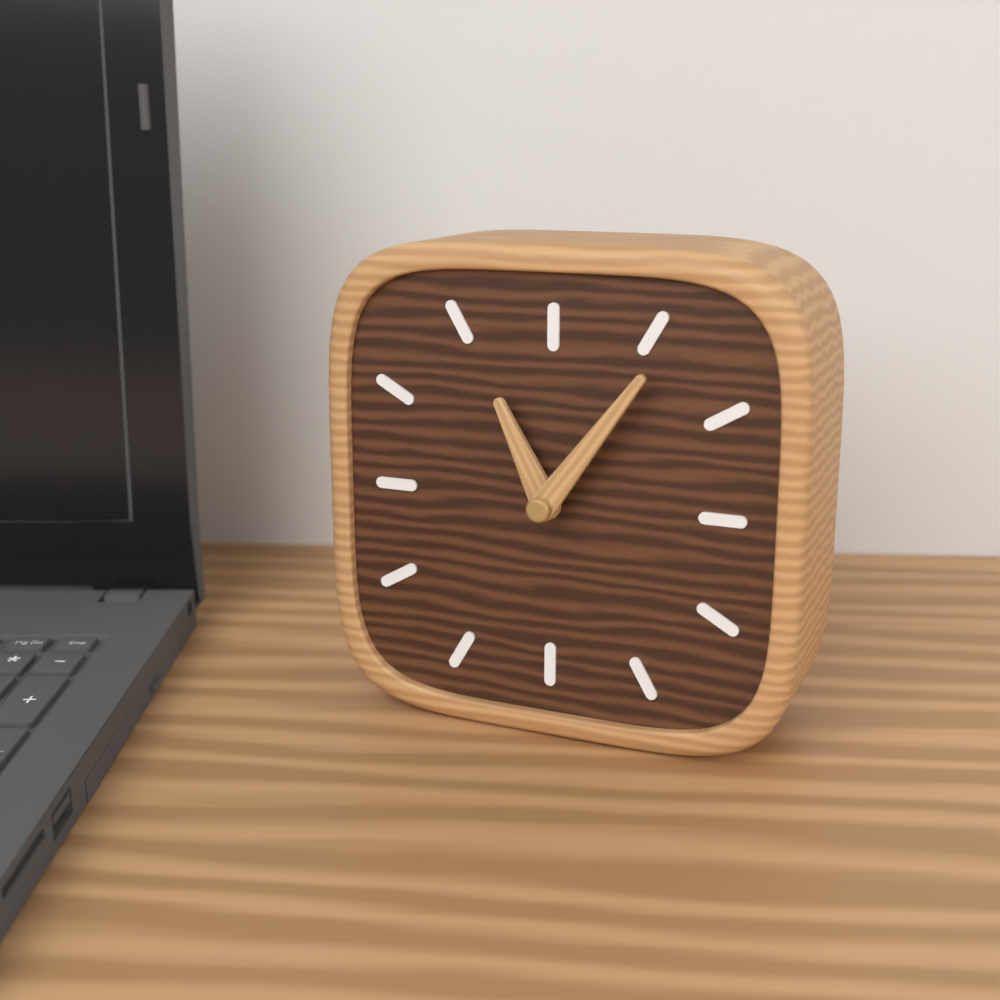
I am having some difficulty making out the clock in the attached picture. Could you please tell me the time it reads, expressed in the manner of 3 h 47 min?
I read 11 h 06 min
